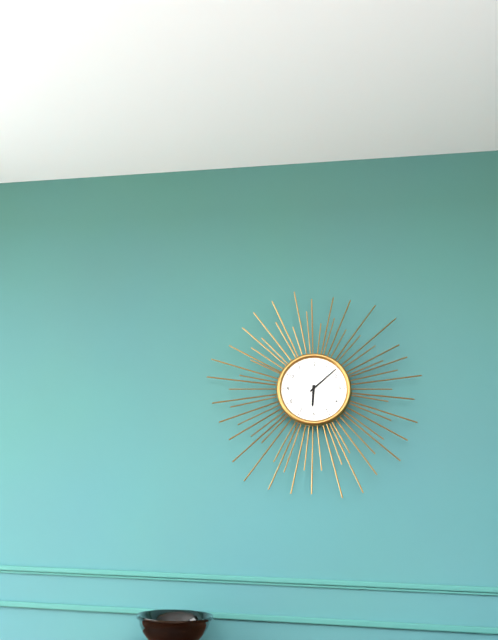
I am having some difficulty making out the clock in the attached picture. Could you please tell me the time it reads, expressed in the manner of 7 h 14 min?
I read 6 h 08 min
